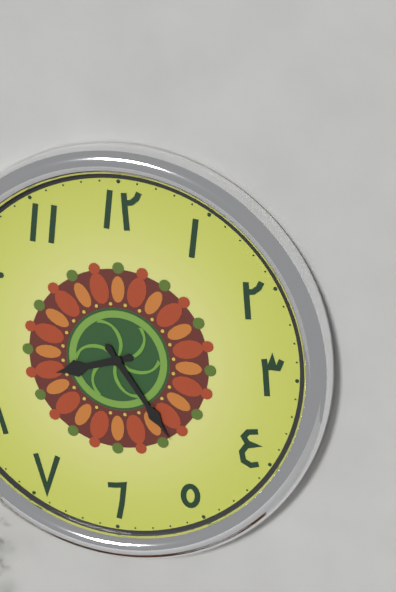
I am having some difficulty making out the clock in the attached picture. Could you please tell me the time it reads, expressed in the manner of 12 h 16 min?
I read 8 h 24 min
